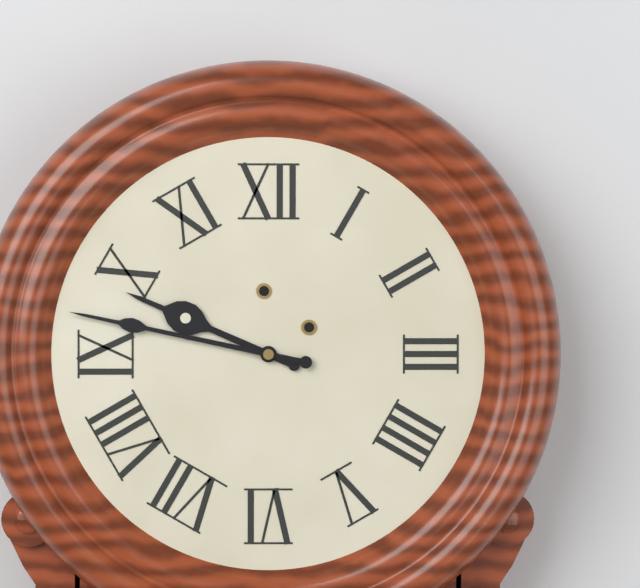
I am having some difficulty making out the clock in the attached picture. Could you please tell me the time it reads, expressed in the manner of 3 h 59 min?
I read 9 h 47 min
